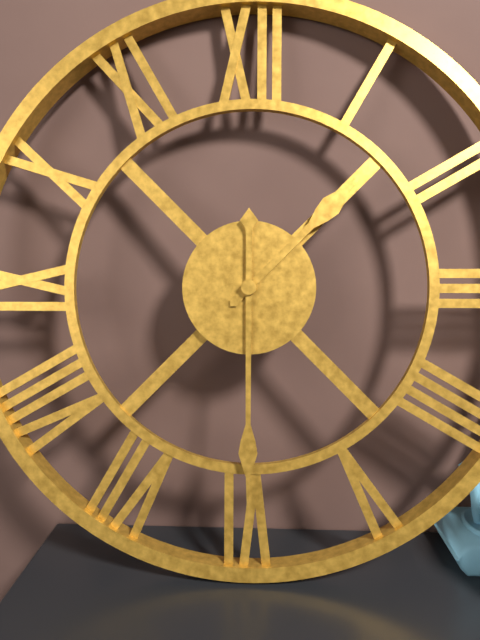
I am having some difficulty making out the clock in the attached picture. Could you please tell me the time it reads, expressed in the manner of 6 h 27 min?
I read 1 h 30 min
